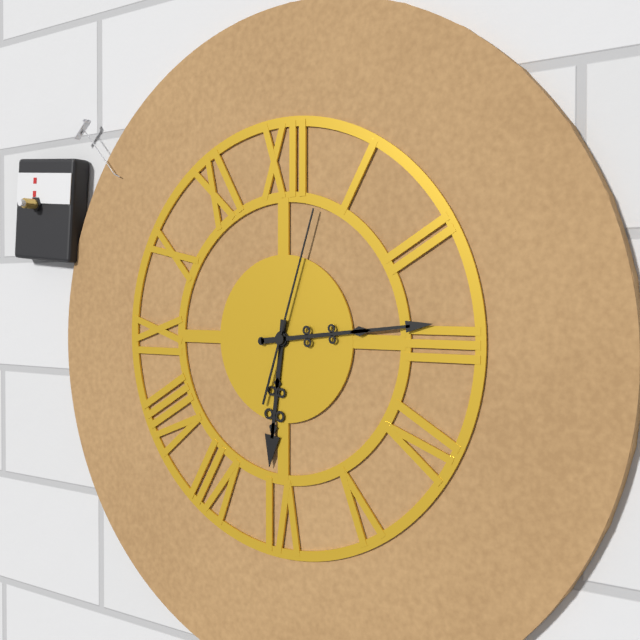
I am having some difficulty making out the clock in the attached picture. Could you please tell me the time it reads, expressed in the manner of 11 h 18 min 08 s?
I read 6 h 14 min 03 s
